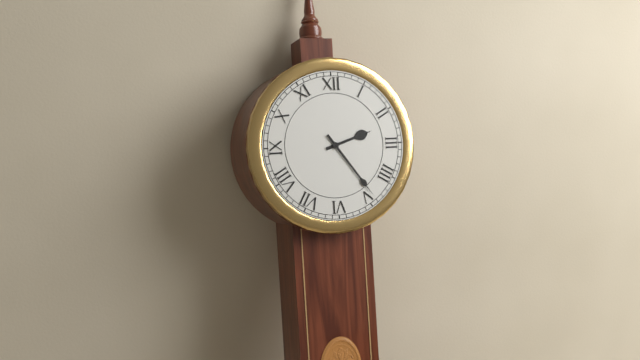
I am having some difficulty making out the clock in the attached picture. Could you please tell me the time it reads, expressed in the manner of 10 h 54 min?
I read 2 h 24 min
